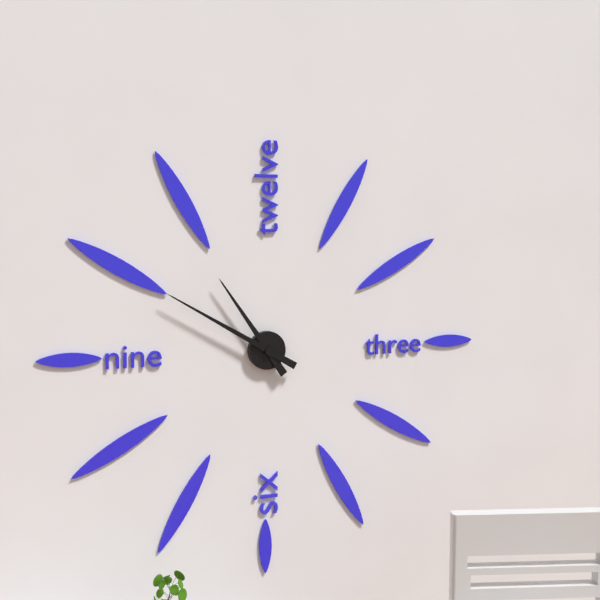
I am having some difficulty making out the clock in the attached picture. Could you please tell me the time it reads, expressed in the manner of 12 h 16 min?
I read 10 h 50 min
